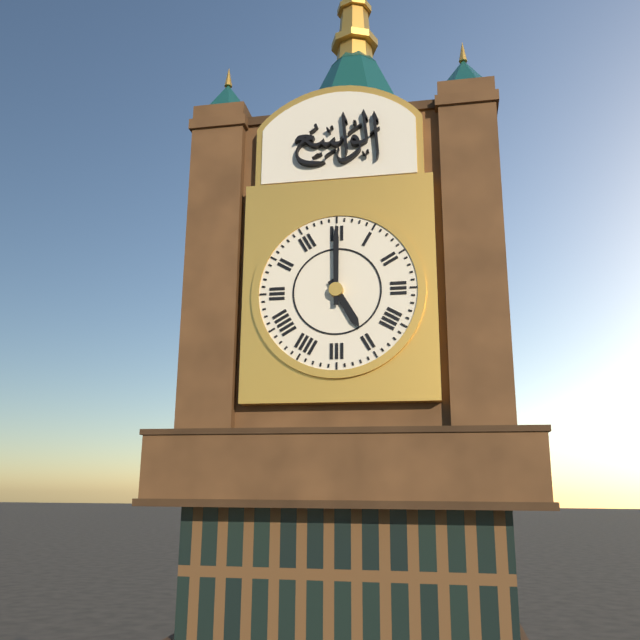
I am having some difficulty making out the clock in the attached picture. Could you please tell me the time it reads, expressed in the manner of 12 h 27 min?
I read 5 h 00 min
